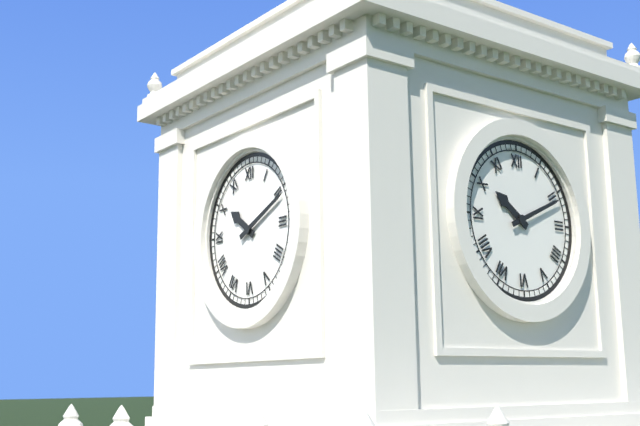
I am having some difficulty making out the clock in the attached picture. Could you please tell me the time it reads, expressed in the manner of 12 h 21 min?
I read 10 h 11 min
